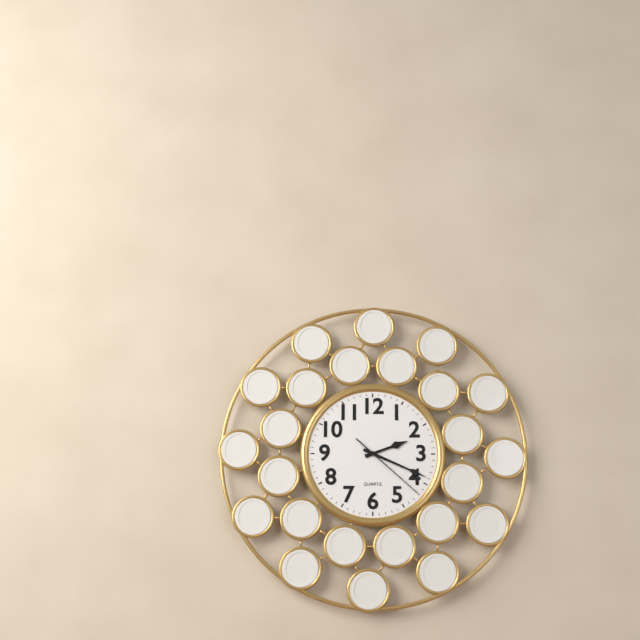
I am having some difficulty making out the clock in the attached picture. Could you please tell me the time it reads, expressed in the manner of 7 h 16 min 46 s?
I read 2 h 19 min 22 s
